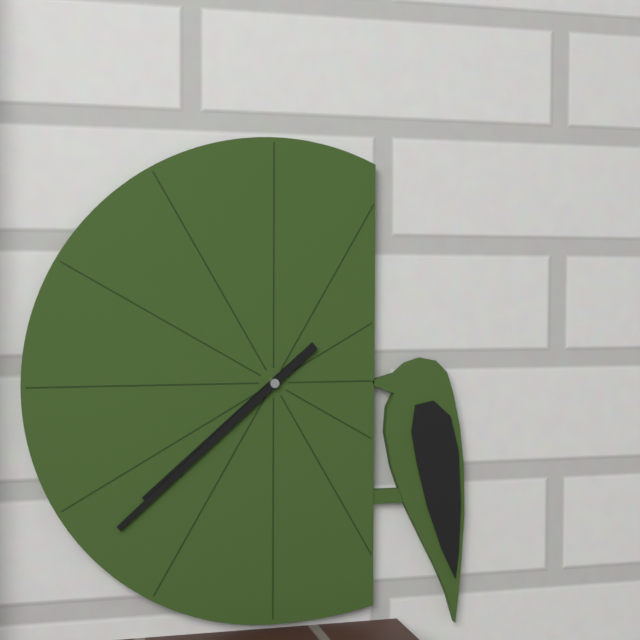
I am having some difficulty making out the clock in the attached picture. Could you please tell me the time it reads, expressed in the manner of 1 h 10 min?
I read 7 h 38 min
